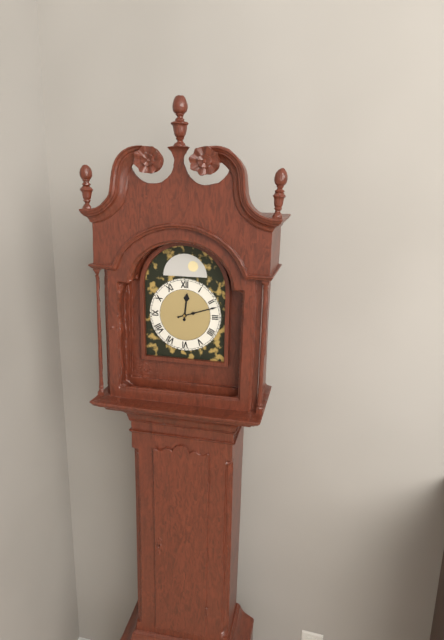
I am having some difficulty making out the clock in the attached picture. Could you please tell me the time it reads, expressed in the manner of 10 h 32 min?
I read 12 h 12 min
